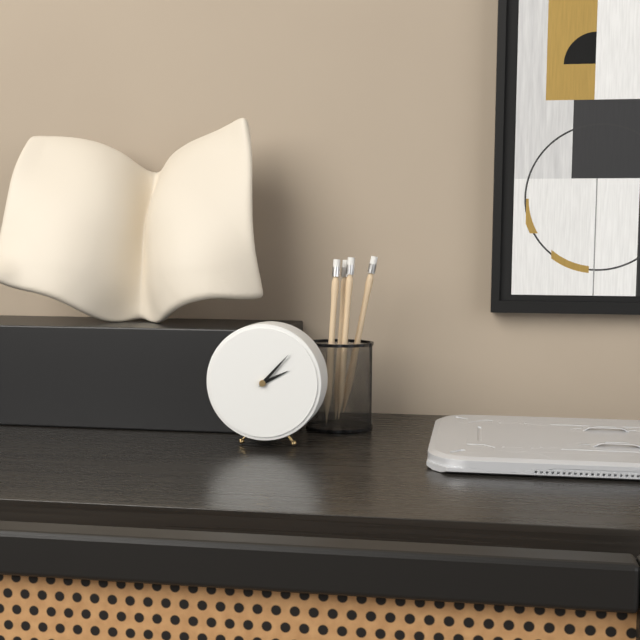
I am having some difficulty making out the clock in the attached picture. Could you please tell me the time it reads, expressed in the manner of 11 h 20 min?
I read 2 h 07 min
